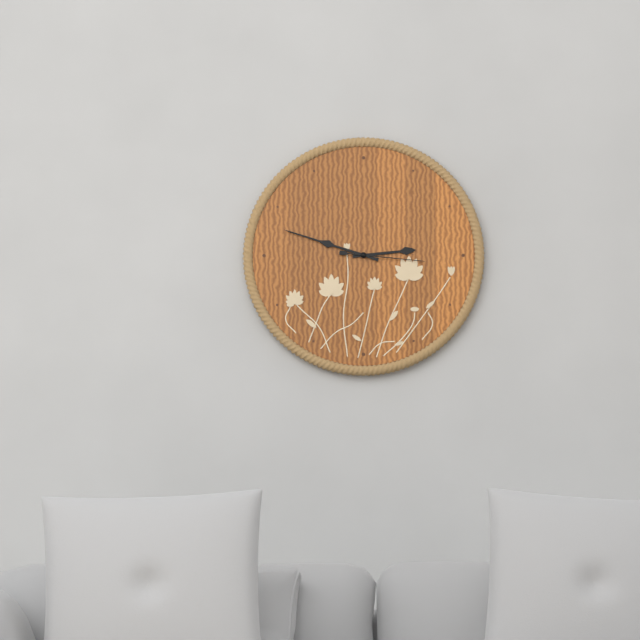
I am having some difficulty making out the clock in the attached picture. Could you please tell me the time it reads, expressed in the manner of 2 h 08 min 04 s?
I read 2 h 48 min 16 s
